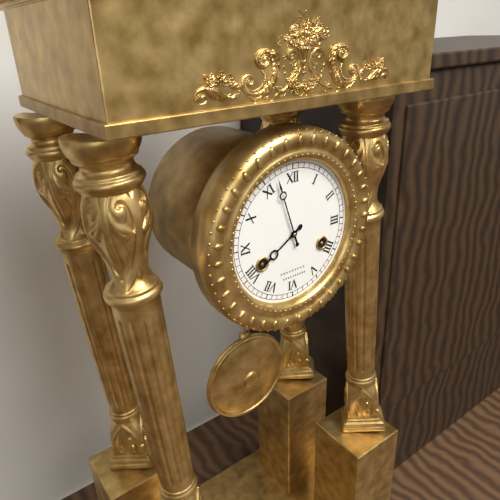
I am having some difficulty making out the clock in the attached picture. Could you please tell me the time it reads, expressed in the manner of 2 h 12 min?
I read 7 h 57 min
